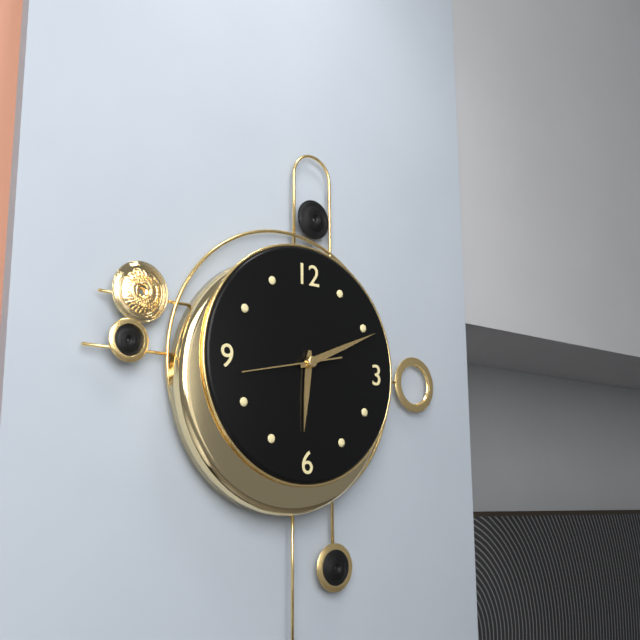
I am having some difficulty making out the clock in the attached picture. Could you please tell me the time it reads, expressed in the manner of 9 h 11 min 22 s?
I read 6 h 11 min 43 s
